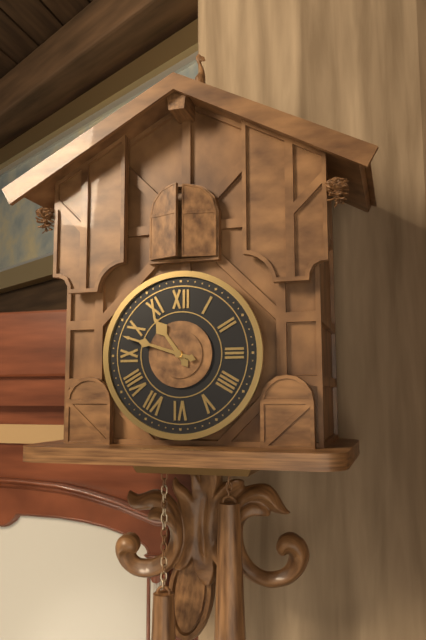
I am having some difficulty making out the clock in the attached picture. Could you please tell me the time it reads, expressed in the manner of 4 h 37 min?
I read 10 h 48 min
